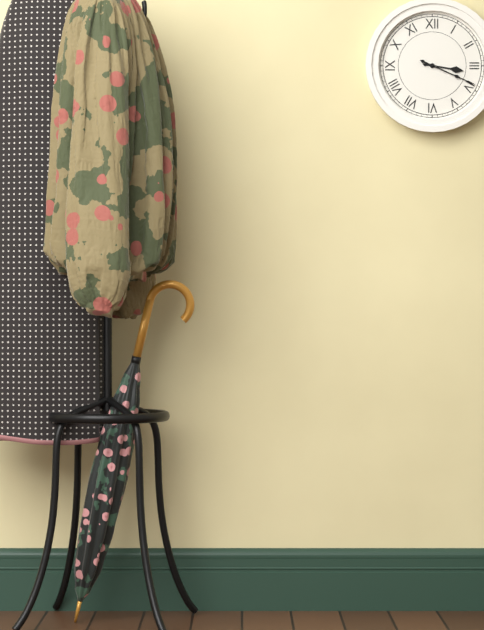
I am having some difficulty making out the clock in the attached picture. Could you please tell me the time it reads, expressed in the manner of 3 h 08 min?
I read 3 h 19 min
